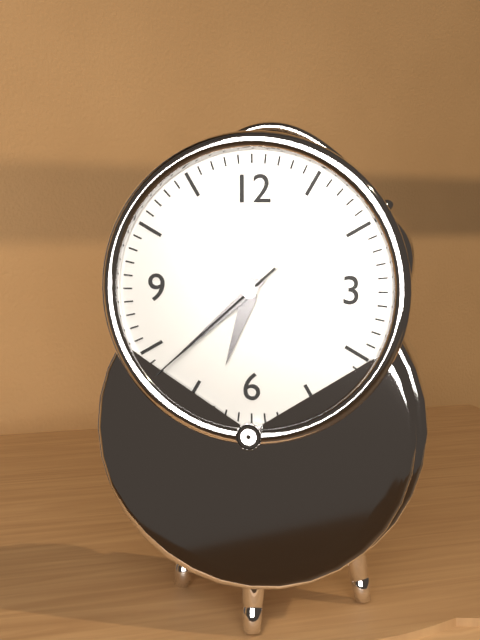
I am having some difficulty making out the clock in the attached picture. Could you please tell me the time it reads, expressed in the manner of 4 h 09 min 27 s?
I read 6 h 38 min 38 s
